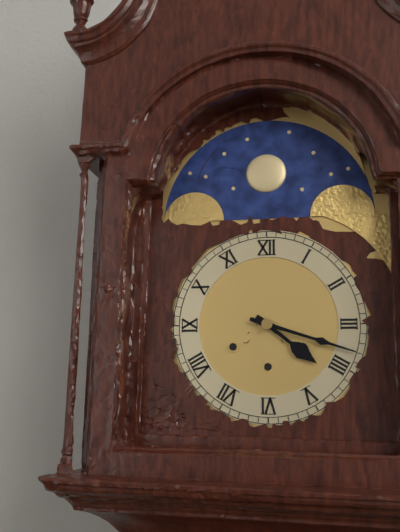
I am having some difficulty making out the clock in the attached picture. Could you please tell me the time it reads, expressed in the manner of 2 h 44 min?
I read 4 h 18 min
